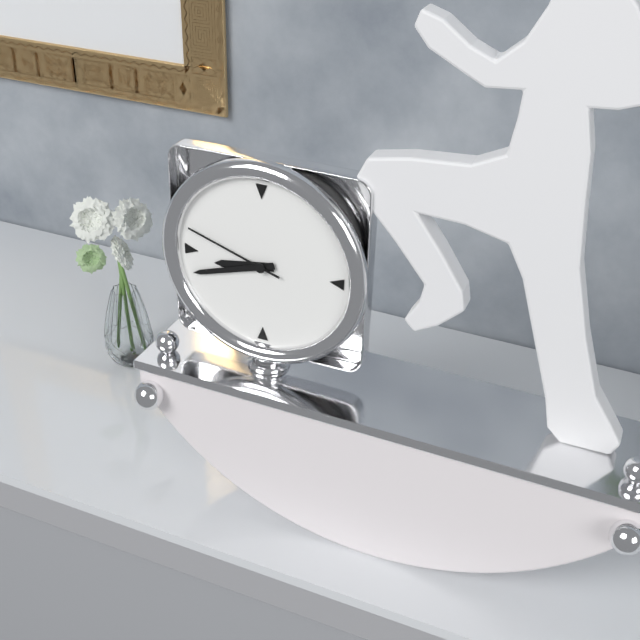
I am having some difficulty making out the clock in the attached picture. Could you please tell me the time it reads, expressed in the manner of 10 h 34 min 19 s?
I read 8 h 42 min 48 s
